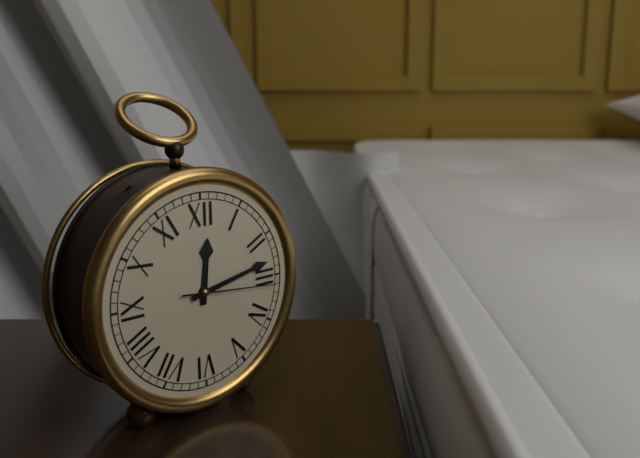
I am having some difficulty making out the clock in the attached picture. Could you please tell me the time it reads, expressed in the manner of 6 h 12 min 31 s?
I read 12 h 13 min 16 s
